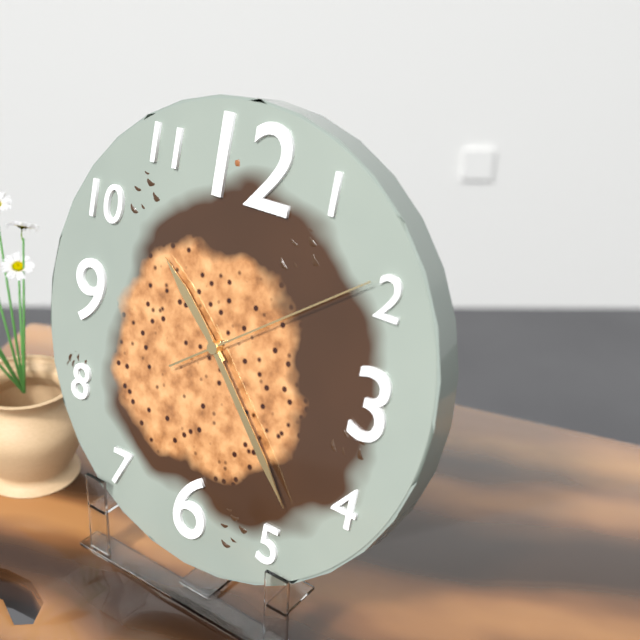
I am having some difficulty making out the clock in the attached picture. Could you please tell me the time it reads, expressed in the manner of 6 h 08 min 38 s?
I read 10 h 23 min 09 s
